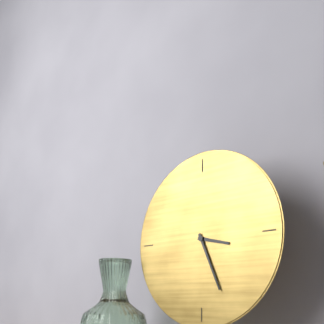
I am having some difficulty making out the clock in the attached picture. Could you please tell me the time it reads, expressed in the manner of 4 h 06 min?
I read 3 h 26 min
